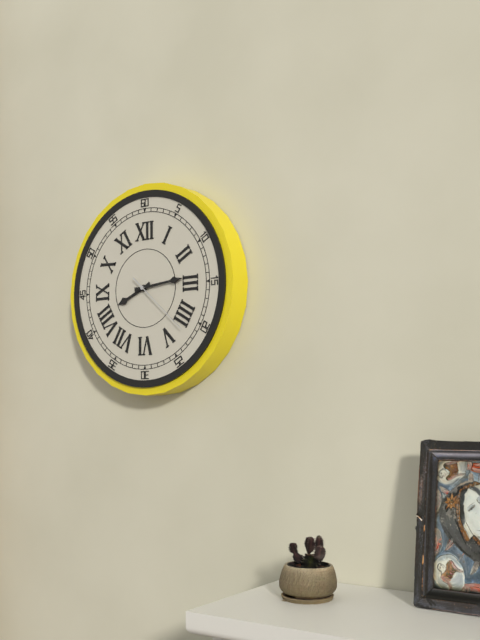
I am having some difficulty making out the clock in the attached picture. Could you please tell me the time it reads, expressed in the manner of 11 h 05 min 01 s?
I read 8 h 14 min 22 s
